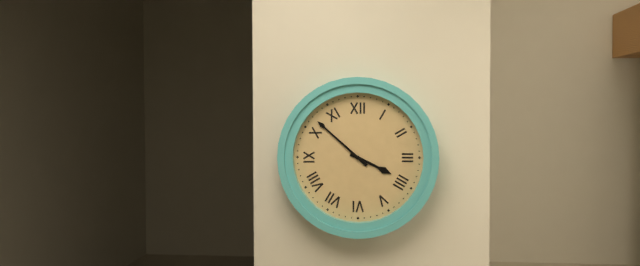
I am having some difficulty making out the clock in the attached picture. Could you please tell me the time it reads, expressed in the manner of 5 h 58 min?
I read 3 h 52 min
